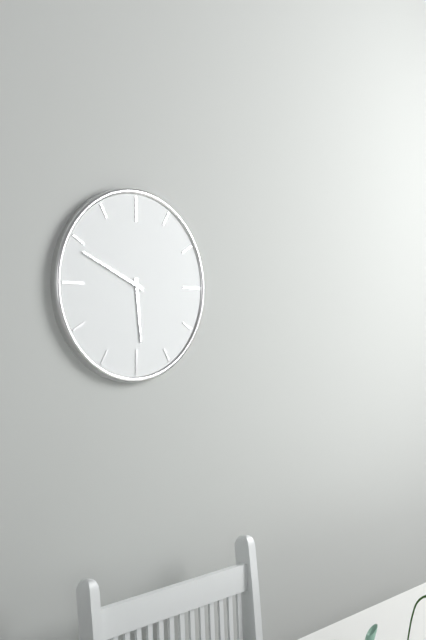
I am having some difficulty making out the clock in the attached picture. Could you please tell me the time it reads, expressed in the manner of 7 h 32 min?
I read 5 h 49 min
